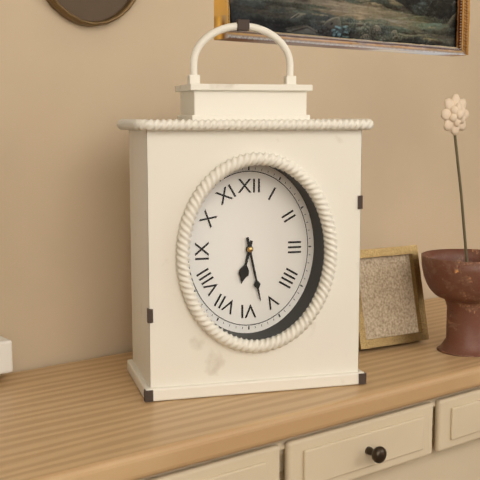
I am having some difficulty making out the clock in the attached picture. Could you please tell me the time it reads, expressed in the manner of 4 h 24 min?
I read 6 h 28 min
